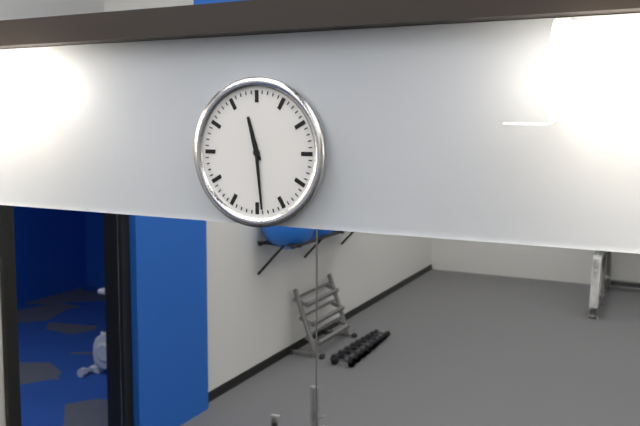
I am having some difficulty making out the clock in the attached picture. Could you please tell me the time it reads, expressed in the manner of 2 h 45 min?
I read 11 h 29 min
